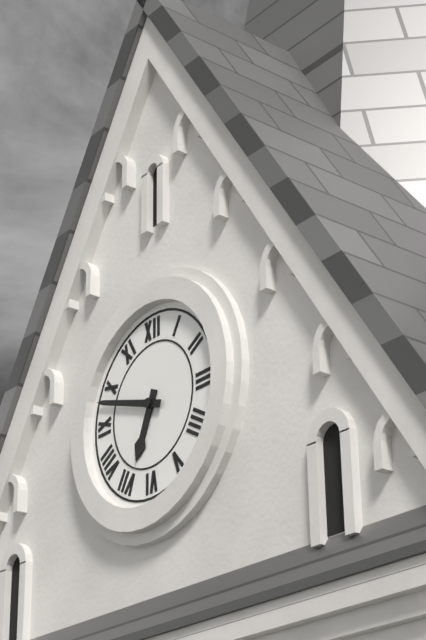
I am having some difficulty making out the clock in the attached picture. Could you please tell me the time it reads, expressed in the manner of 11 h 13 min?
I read 6 h 48 min
